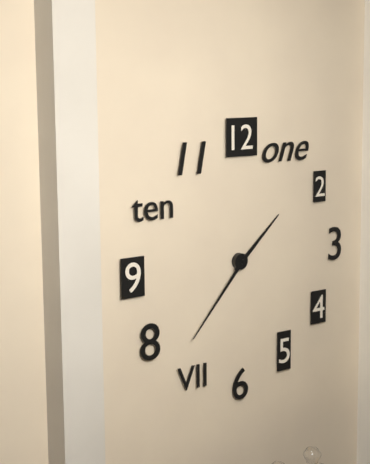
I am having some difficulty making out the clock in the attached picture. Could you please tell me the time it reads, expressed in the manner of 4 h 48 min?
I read 1 h 37 min
